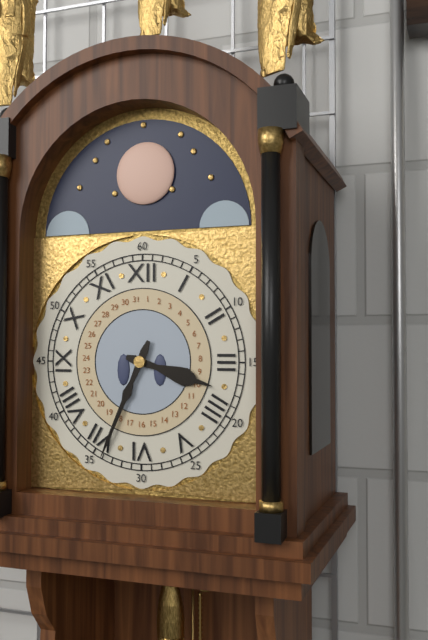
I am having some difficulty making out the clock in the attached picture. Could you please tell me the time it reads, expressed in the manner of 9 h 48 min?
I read 3 h 34 min
